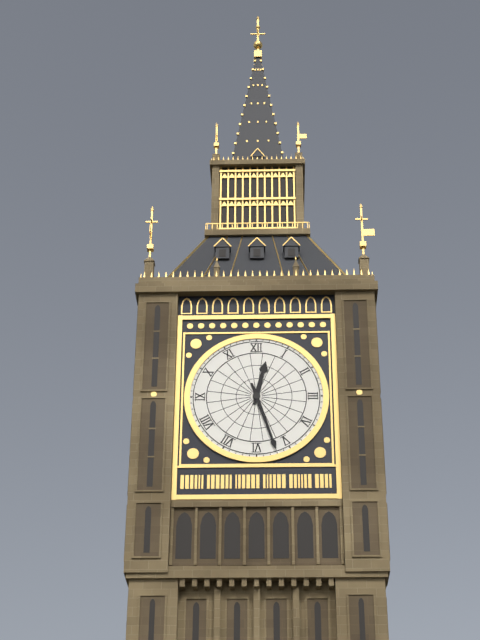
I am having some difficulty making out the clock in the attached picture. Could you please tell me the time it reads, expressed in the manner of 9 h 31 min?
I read 12 h 27 min
